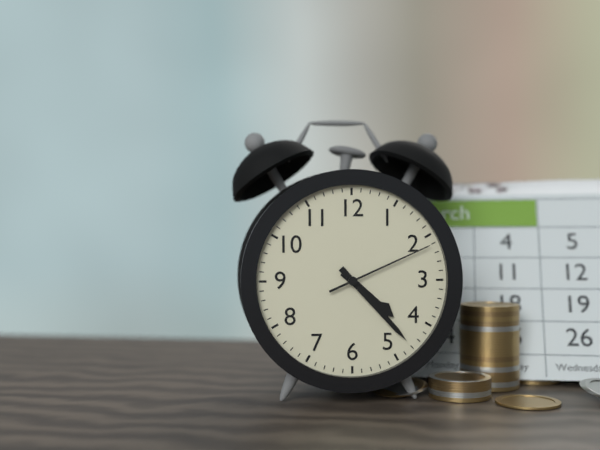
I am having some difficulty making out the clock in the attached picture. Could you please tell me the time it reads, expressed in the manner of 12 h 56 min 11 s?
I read 4 h 23 min 11 s
